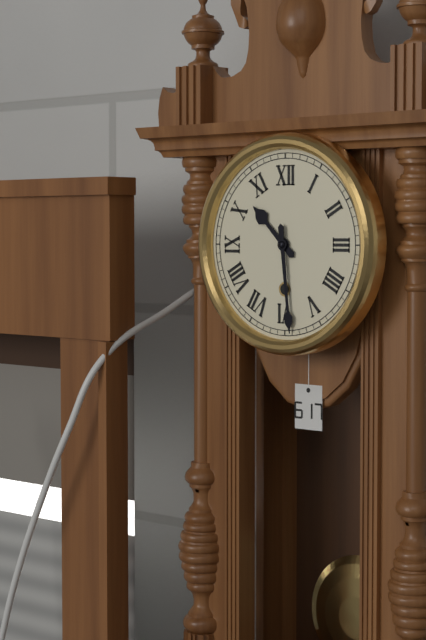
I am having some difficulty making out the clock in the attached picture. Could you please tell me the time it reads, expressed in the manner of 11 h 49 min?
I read 10 h 29 min
